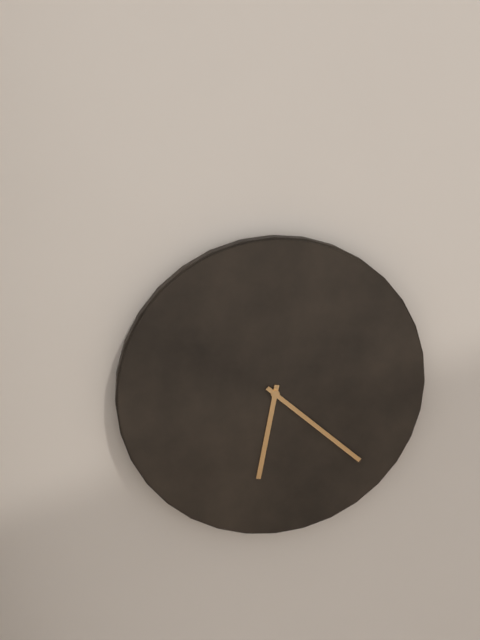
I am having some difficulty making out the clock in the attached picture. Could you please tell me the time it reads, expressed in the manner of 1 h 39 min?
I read 6 h 22 min
